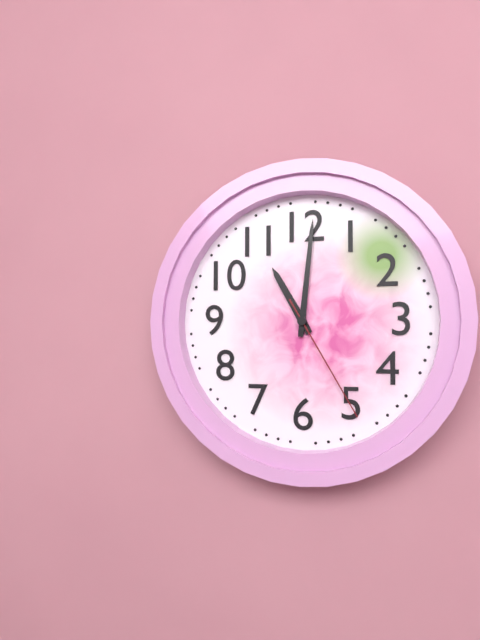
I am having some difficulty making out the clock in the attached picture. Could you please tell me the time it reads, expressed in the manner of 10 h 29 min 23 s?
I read 11 h 01 min 25 s
